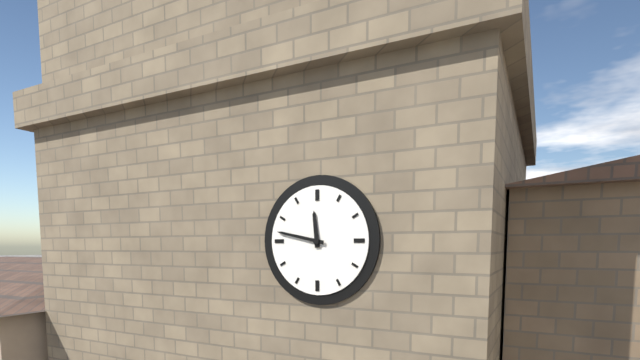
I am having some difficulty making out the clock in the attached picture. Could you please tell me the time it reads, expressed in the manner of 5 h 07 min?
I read 11 h 47 min
